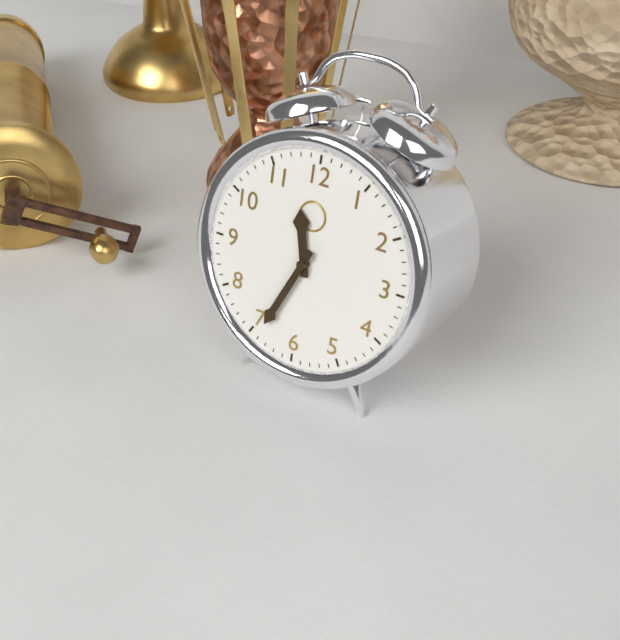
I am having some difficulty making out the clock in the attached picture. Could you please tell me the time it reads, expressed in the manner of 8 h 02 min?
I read 11 h 34 min
